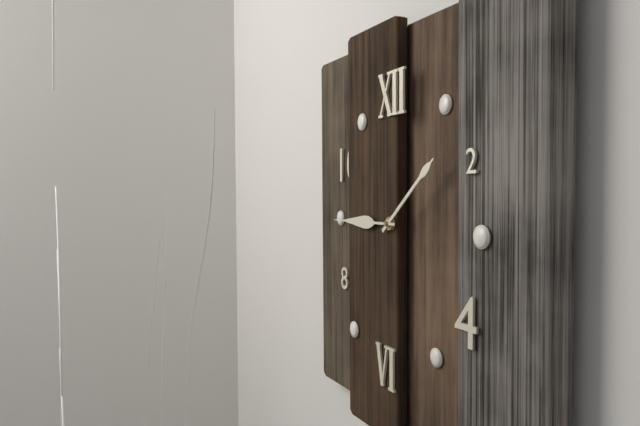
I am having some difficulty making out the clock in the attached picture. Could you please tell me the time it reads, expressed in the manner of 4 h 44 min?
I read 1 h 45 min
